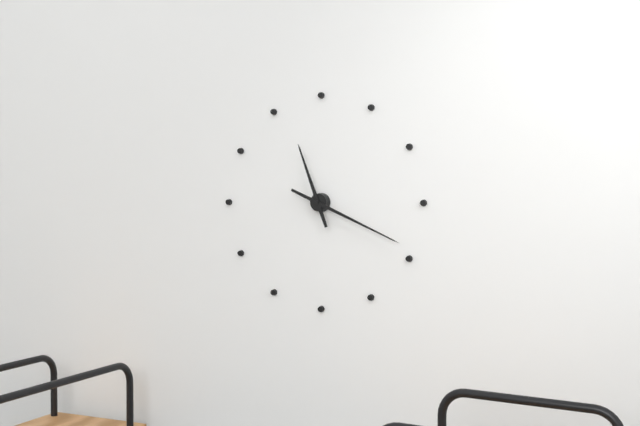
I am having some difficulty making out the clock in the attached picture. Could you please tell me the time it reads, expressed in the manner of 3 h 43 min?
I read 11 h 19 min
